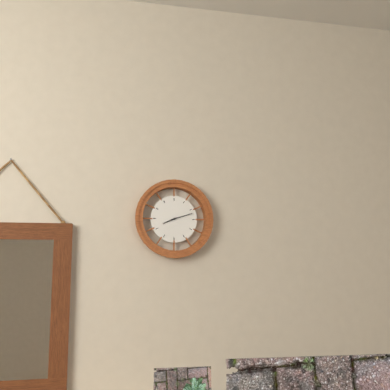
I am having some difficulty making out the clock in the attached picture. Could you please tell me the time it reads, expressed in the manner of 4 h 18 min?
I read 8 h 12 min
